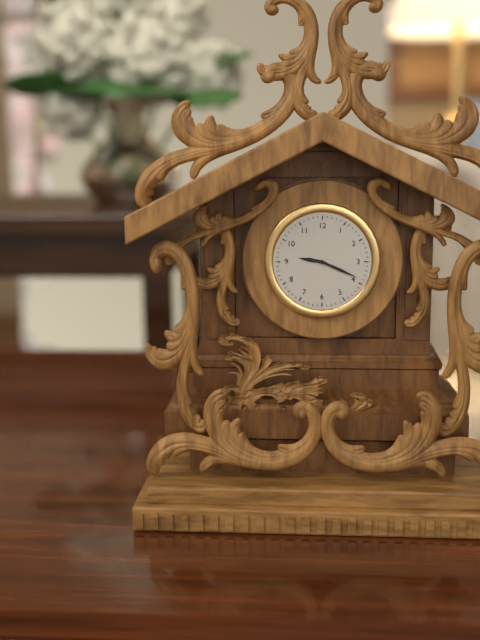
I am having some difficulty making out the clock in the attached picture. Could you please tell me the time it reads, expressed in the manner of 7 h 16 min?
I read 9 h 19 min
